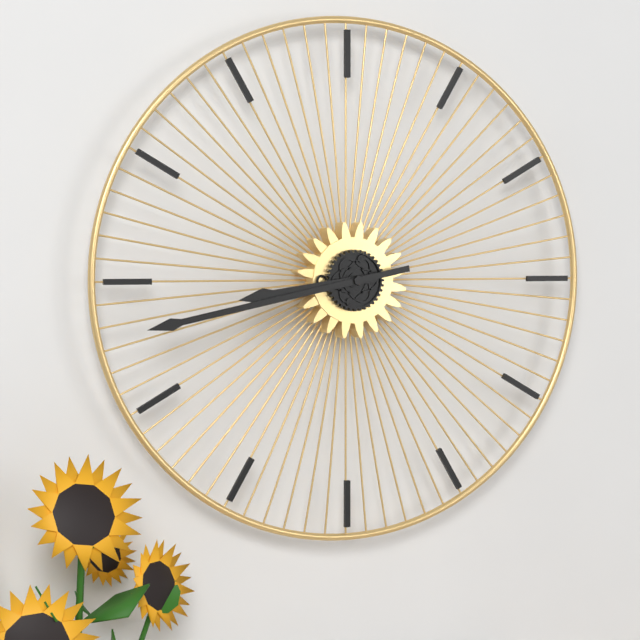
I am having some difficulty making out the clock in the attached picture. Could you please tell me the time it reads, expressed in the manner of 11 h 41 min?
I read 8 h 43 min
